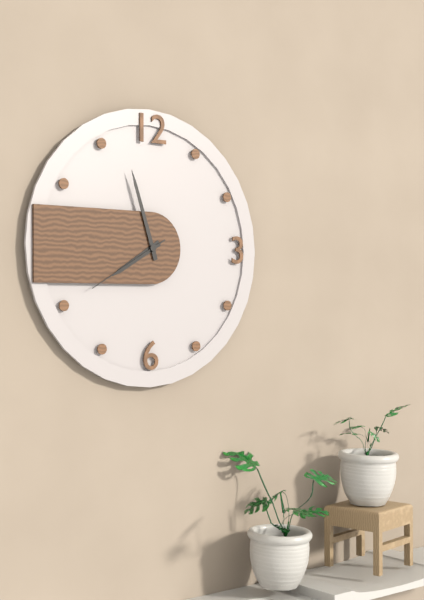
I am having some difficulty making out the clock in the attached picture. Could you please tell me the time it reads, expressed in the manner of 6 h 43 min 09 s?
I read 7 h 57 min 40 s
